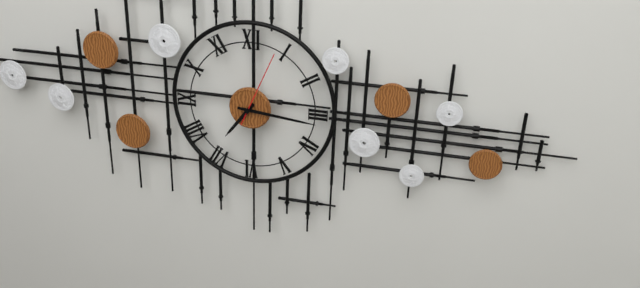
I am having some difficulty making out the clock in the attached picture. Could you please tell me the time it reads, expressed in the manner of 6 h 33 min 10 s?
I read 7 h 16 min 04 s
